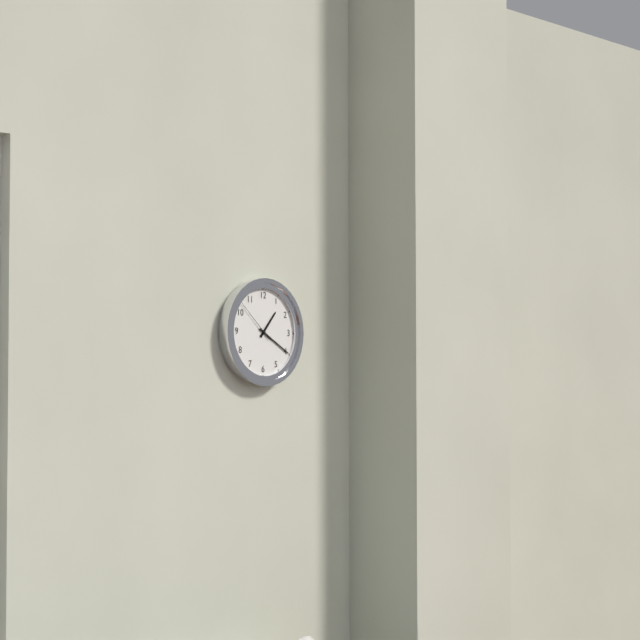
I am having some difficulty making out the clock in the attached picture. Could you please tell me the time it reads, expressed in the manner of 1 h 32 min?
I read 1 h 20 min
